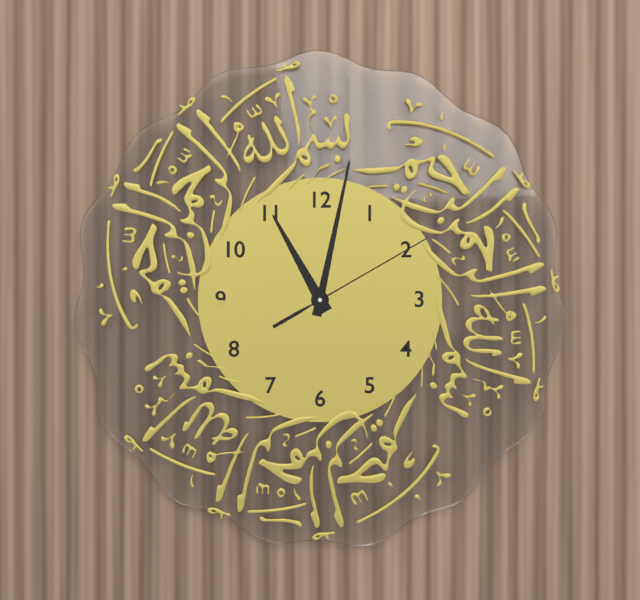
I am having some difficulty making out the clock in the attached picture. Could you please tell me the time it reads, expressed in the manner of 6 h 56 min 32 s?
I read 11 h 02 min 10 s
